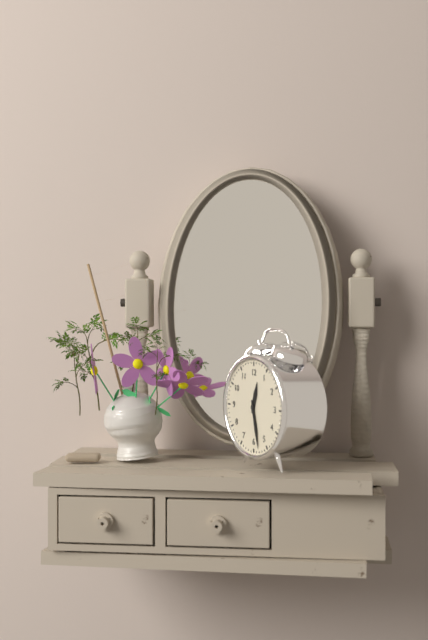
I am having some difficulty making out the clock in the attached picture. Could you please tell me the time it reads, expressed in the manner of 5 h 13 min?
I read 12 h 28 min
